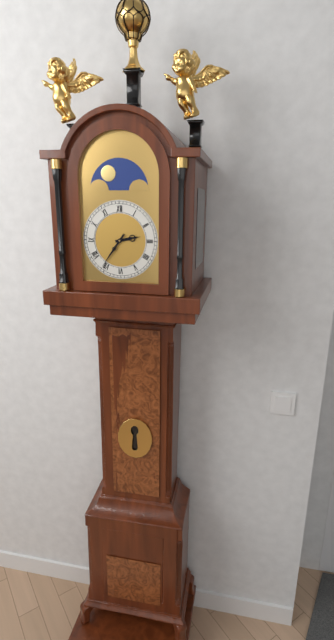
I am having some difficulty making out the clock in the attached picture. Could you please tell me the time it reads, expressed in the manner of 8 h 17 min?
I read 2 h 36 min
